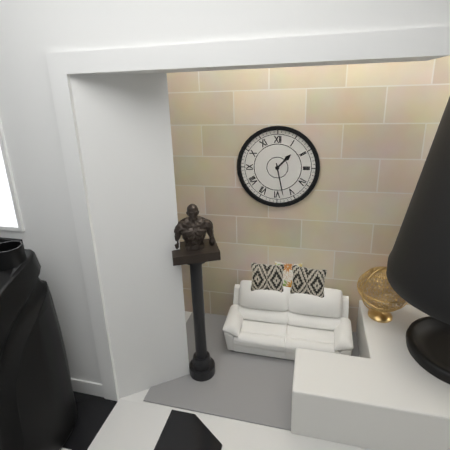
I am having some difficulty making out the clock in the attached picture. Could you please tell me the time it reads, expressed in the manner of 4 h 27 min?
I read 1 h 28 min
